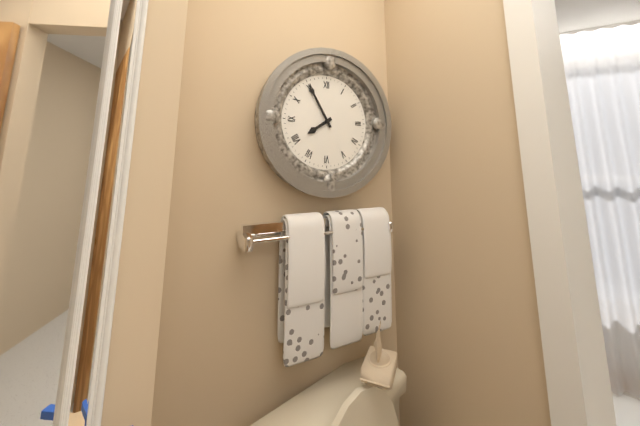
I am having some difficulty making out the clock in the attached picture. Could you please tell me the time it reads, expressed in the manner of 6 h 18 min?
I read 7 h 55 min
